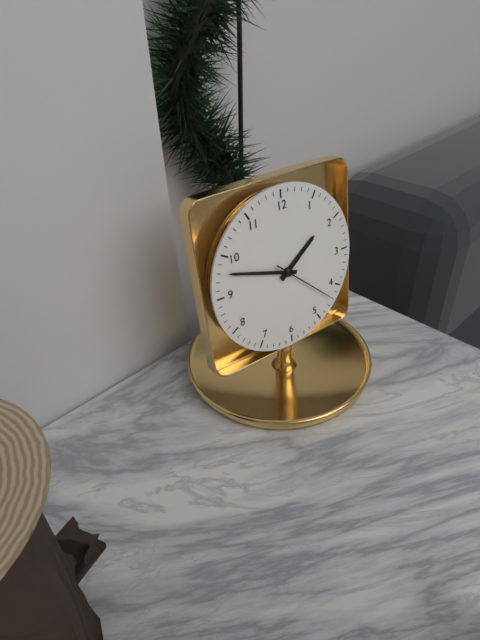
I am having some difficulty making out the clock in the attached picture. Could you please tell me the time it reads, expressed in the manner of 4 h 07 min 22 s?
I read 1 h 48 min 22 s
